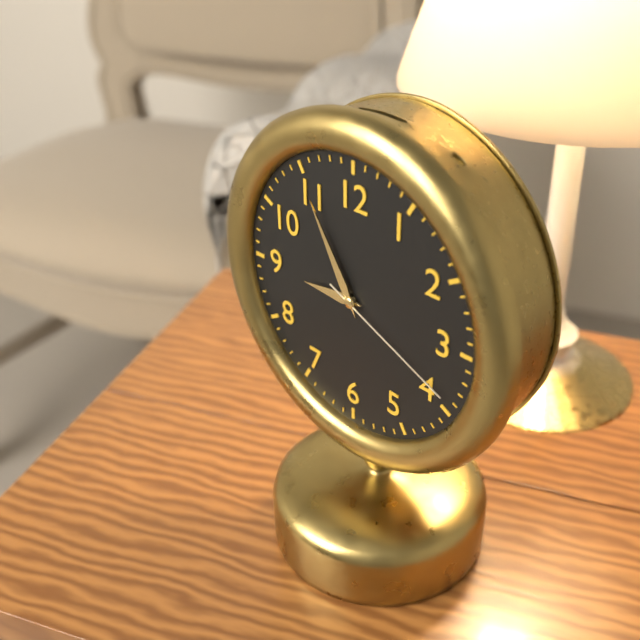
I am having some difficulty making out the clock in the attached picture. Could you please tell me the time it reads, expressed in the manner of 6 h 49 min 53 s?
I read 8 h 55 min 19 s
